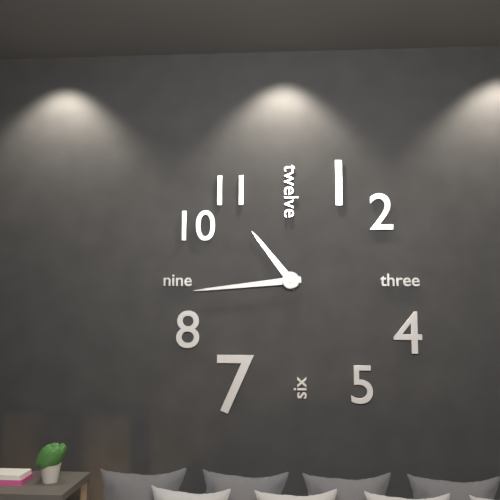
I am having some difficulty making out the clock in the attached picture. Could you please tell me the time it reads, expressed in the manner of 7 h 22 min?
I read 10 h 44 min
